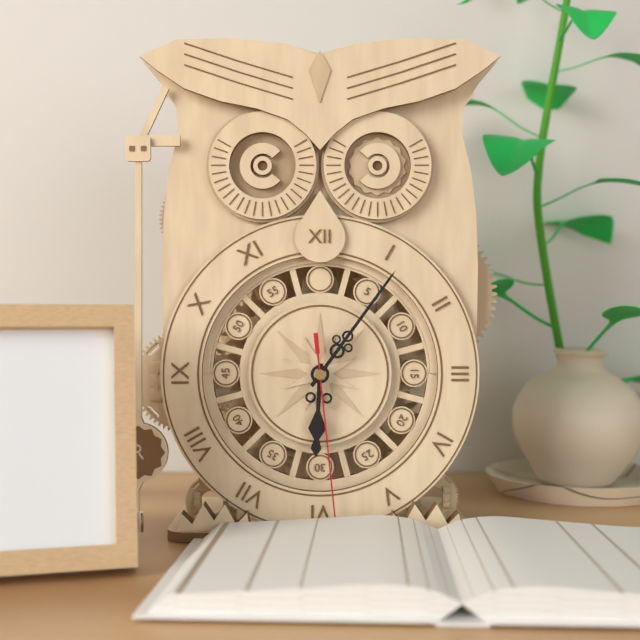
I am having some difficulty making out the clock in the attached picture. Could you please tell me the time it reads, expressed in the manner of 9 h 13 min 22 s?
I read 6 h 06 min 29 s
